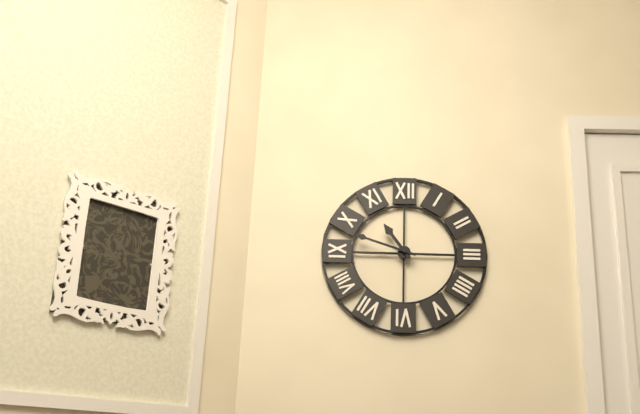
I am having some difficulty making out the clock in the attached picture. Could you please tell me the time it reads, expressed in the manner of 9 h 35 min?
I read 10 h 48 min
